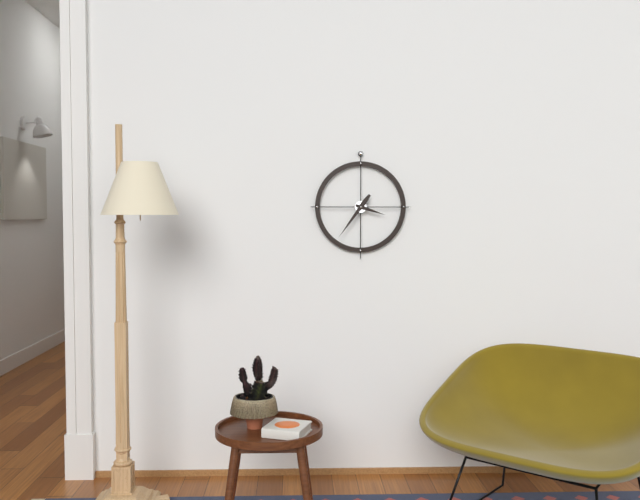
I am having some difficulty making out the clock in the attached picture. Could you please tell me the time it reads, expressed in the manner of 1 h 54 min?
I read 3 h 36 min
